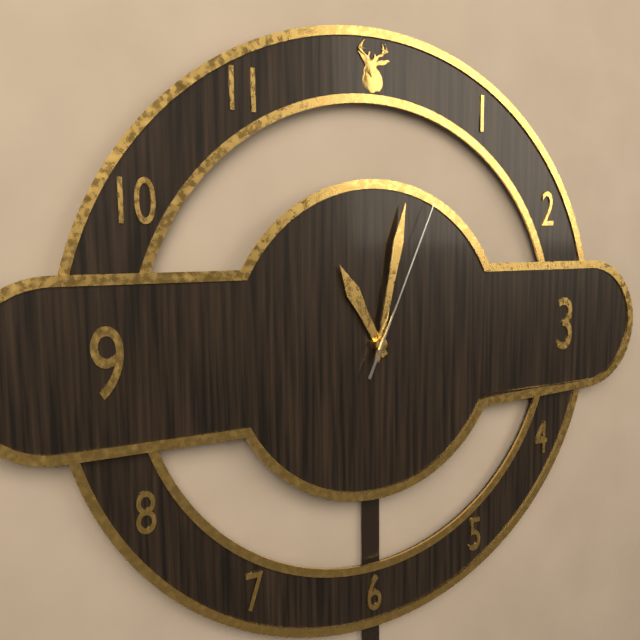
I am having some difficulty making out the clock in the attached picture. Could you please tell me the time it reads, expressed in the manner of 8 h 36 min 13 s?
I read 11 h 02 min 04 s
